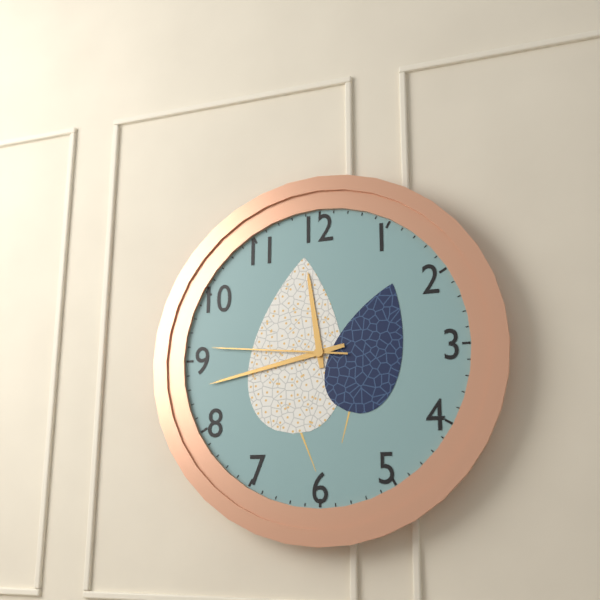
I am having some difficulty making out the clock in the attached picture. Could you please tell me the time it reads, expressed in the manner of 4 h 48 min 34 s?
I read 11 h 43 min 46 s
